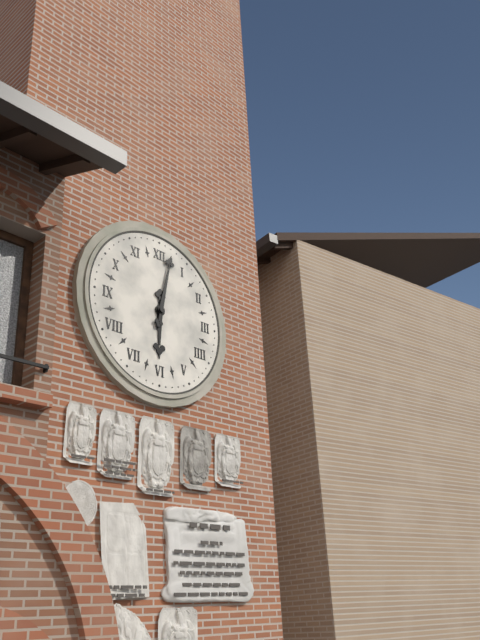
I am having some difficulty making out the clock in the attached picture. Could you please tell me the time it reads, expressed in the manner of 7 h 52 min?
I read 6 h 02 min
